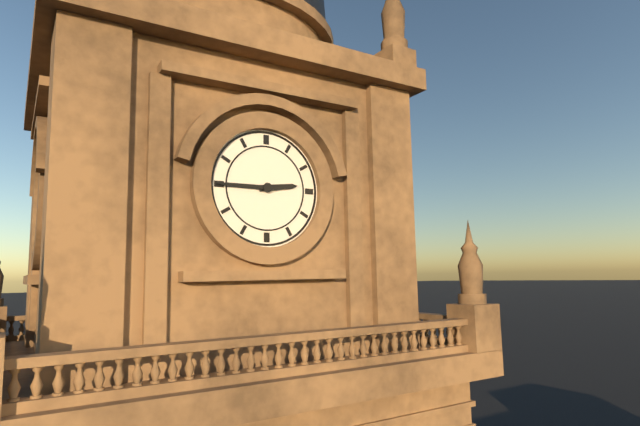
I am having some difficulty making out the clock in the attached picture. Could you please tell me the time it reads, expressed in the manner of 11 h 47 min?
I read 2 h 45 min
